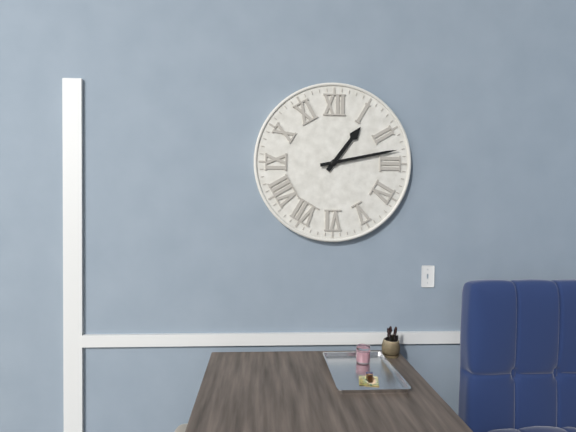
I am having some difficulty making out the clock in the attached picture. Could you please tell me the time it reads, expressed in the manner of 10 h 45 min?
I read 1 h 13 min
